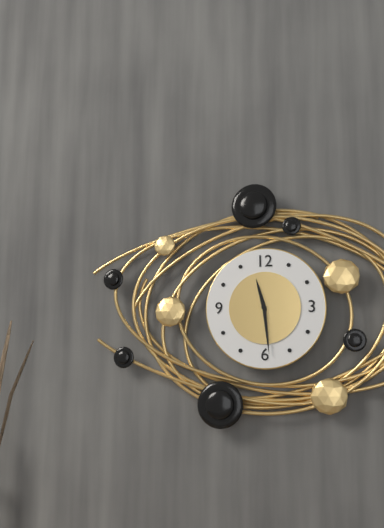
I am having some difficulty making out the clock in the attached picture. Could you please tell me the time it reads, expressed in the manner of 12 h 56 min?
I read 11 h 29 min
